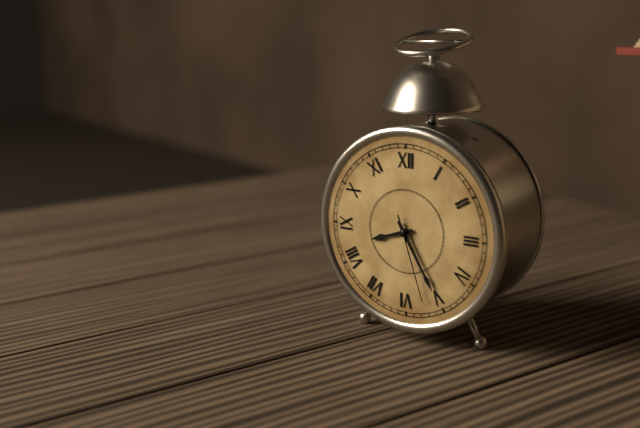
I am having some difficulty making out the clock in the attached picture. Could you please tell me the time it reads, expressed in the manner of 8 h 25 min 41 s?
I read 8 h 25 min 27 s
